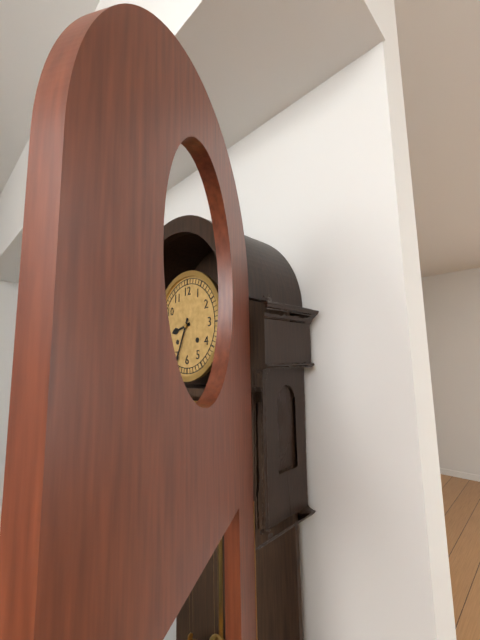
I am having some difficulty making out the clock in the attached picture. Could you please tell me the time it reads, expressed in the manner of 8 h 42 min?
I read 8 h 34 min
